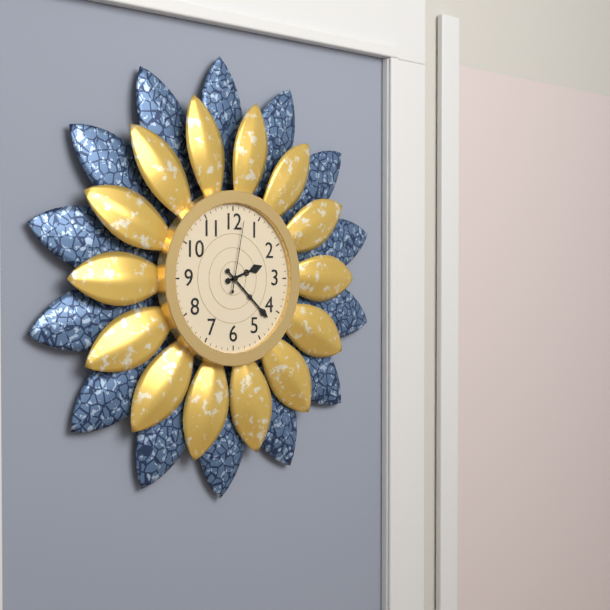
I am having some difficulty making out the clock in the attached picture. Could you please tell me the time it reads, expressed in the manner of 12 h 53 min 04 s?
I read 2 h 22 min 02 s
